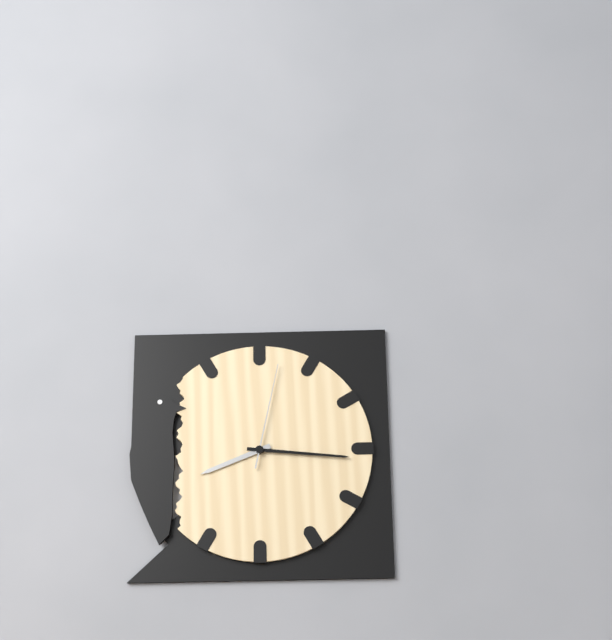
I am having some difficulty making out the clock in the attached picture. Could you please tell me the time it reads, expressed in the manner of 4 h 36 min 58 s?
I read 8 h 16 min 02 s
